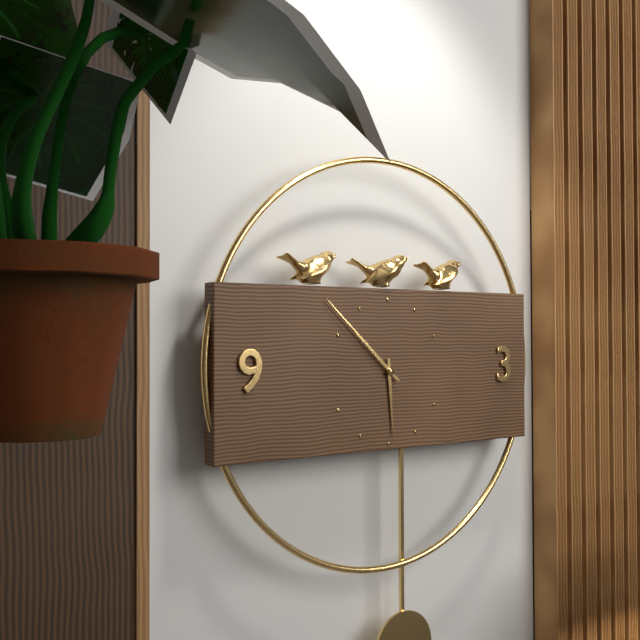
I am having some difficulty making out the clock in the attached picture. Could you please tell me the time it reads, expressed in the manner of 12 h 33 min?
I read 5 h 52 min
